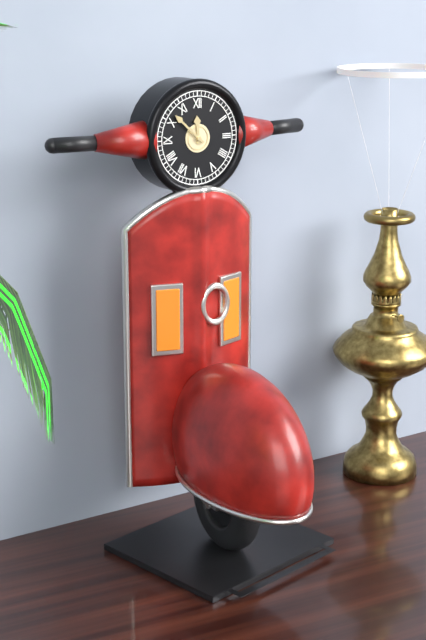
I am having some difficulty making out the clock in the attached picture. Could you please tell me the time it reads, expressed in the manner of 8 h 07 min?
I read 11 h 52 min
